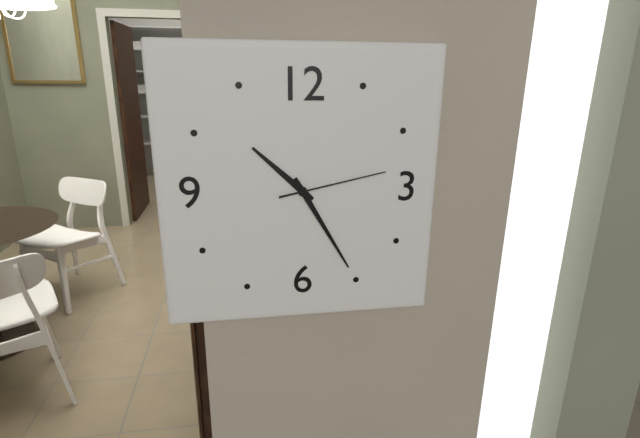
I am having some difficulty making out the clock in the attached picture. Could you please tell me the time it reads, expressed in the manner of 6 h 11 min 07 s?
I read 10 h 25 min 13 s
